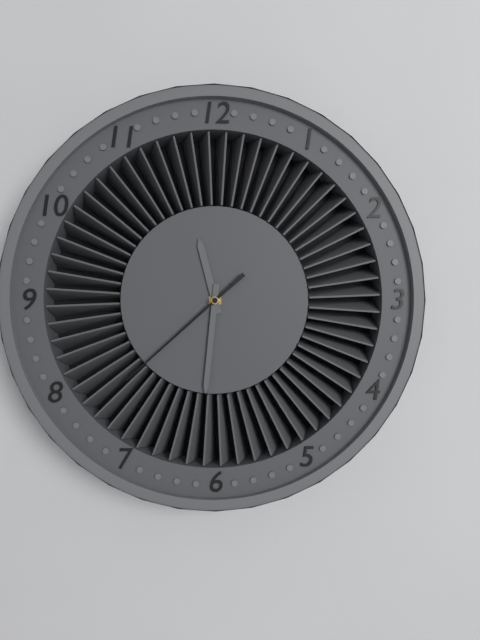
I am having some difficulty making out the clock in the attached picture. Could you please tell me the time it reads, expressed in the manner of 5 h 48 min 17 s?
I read 11 h 31 min 38 s
